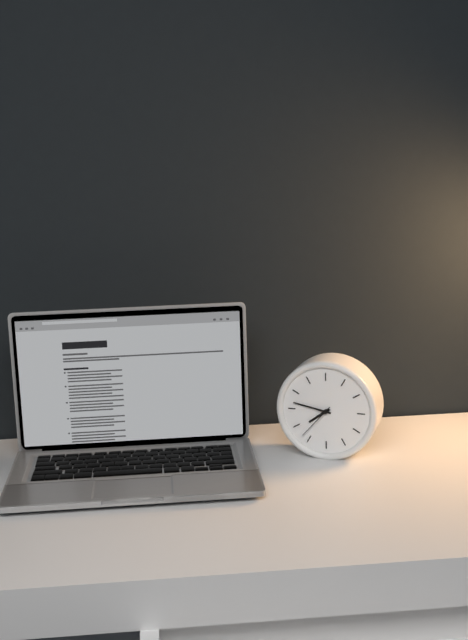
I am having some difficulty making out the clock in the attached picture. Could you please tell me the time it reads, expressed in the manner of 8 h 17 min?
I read 7 h 47 min
